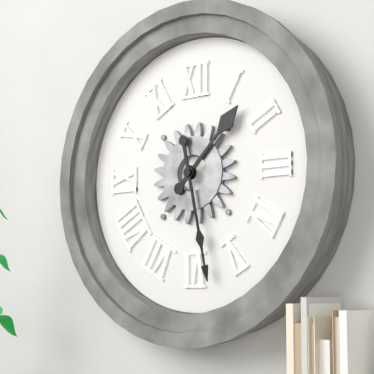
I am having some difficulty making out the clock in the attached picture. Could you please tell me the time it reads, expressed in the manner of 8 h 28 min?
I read 1 h 28 min
